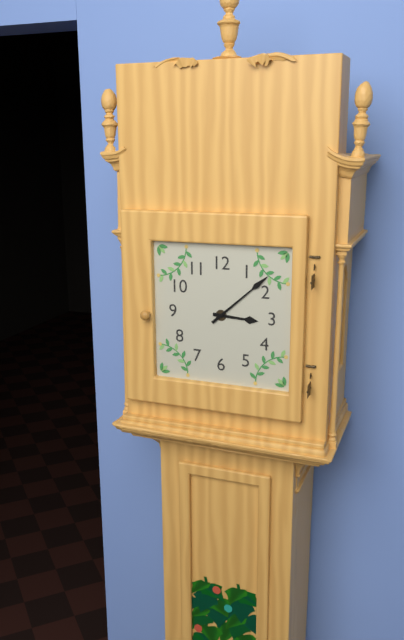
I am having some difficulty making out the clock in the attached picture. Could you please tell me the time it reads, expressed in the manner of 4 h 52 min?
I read 3 h 08 min
